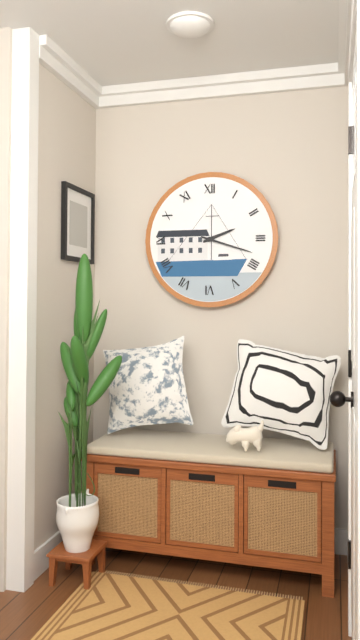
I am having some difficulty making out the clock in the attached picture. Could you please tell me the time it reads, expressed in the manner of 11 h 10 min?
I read 2 h 18 min
